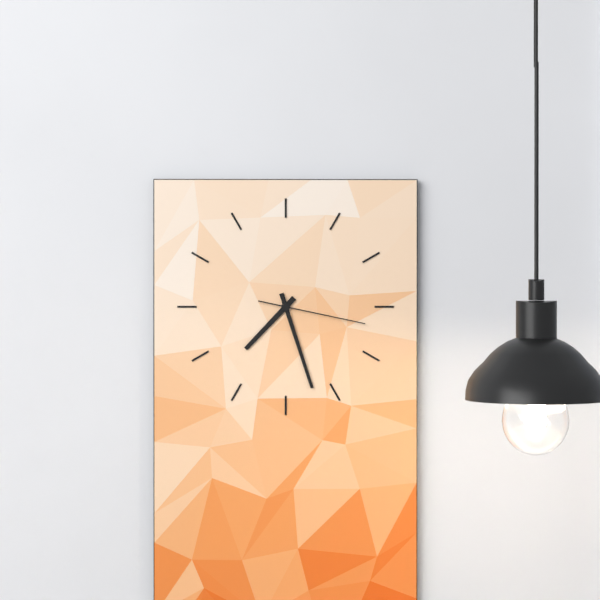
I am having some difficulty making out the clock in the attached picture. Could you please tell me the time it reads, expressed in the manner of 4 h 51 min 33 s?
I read 7 h 27 min 17 s
